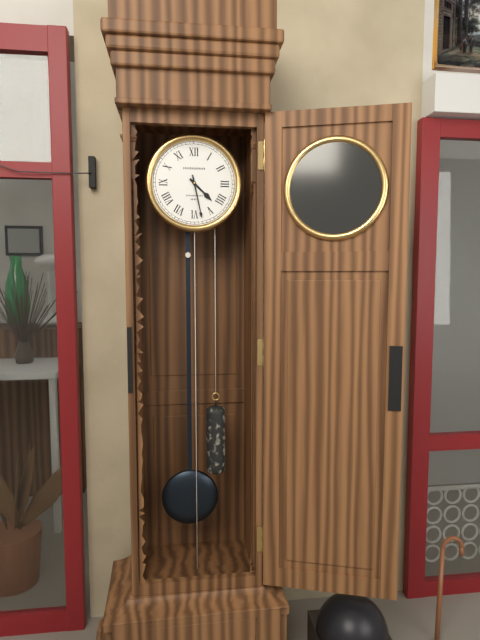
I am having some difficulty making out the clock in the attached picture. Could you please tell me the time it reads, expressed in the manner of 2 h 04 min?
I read 4 h 28 min
